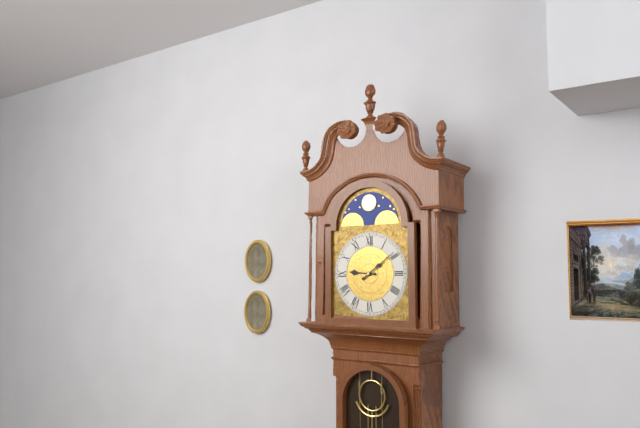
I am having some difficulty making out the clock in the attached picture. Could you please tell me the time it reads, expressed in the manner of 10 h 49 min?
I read 9 h 09 min
